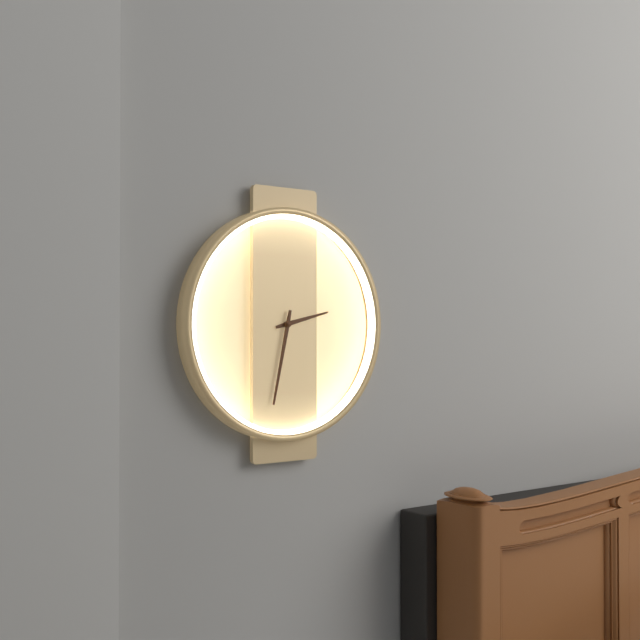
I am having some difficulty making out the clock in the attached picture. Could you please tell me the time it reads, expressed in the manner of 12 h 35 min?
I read 2 h 32 min
